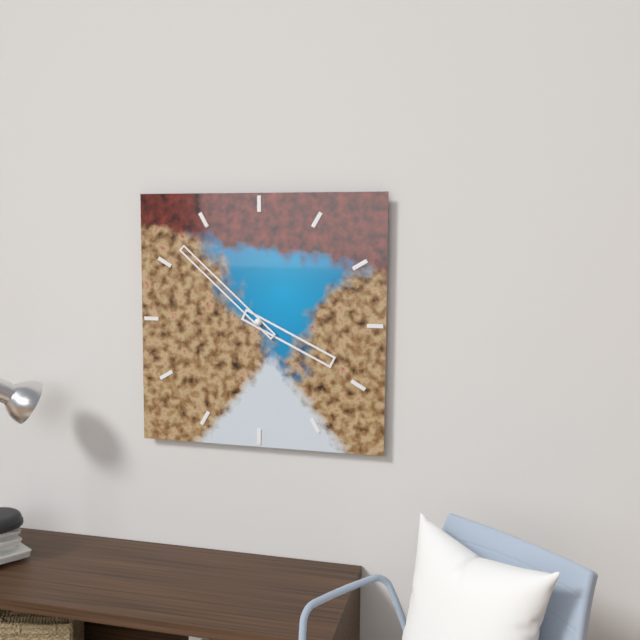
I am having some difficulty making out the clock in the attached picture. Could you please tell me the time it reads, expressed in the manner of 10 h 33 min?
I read 3 h 52 min
